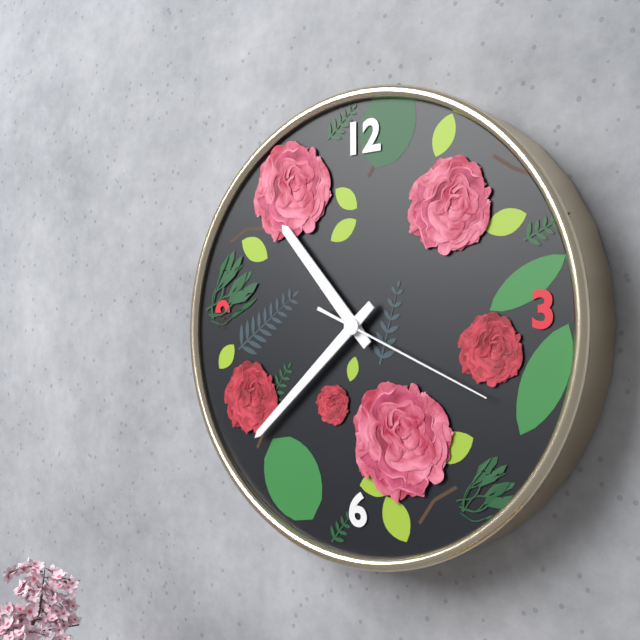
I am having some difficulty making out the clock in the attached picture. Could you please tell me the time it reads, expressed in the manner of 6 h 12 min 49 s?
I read 10 h 38 min 19 s
